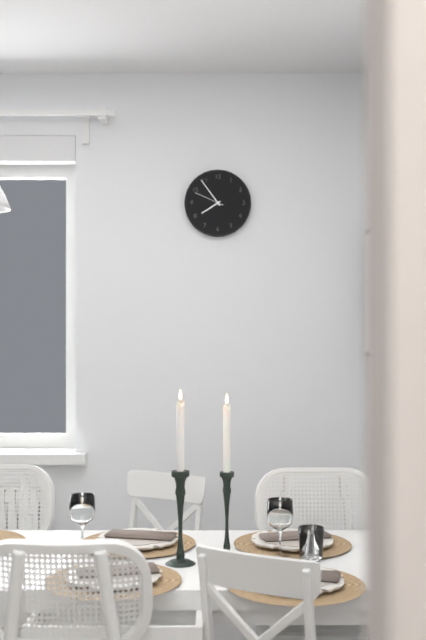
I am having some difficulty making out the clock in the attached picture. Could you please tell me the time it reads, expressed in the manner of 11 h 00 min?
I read 7 h 54 min
